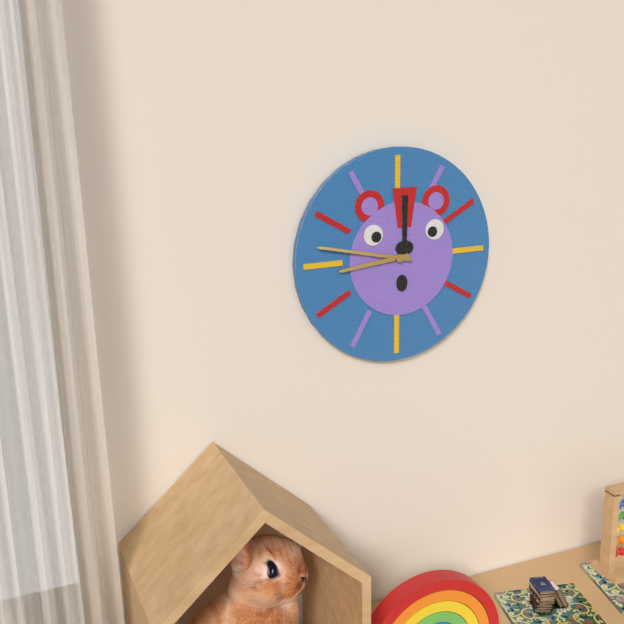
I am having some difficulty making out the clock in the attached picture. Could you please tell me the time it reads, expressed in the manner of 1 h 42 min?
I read 8 h 47 min
